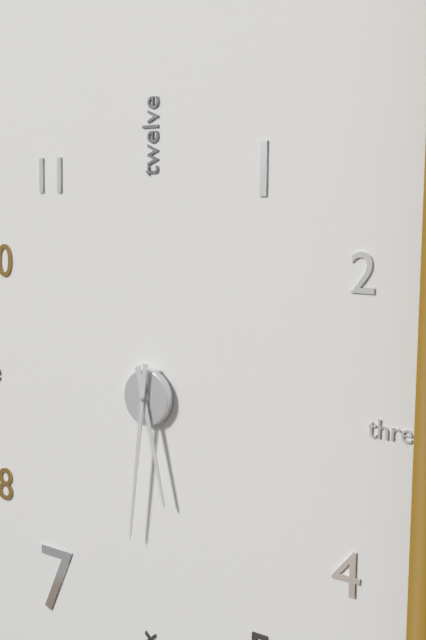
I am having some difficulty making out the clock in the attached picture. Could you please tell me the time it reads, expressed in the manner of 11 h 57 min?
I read 5 h 31 min
